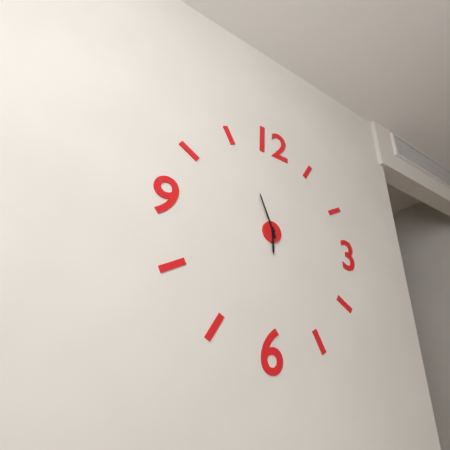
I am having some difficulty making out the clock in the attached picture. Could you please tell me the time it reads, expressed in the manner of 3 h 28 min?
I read 5 h 56 min
